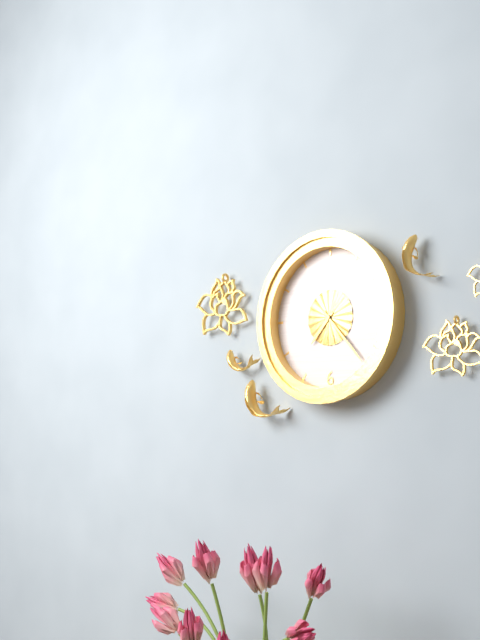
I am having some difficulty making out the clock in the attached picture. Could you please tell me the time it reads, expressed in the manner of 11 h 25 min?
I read 7 h 23 min
